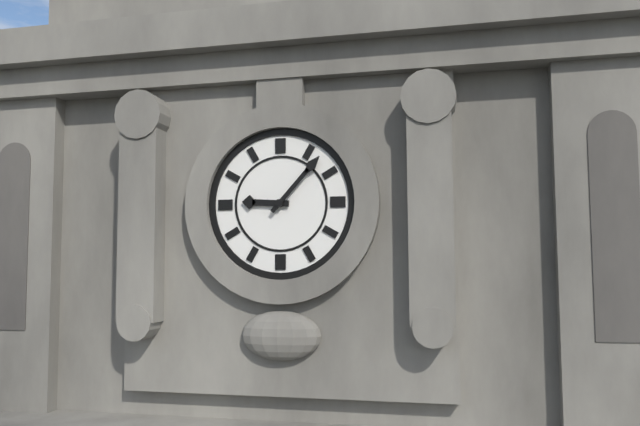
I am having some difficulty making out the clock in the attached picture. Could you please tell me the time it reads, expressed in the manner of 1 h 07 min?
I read 9 h 07 min
